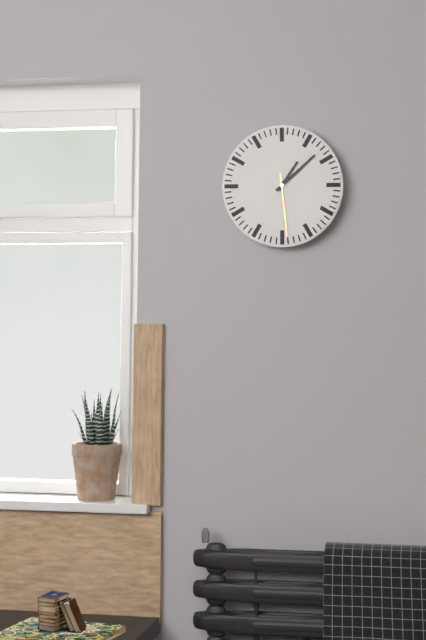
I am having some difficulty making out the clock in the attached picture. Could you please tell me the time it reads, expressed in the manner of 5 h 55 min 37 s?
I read 1 h 08 min 29 s
